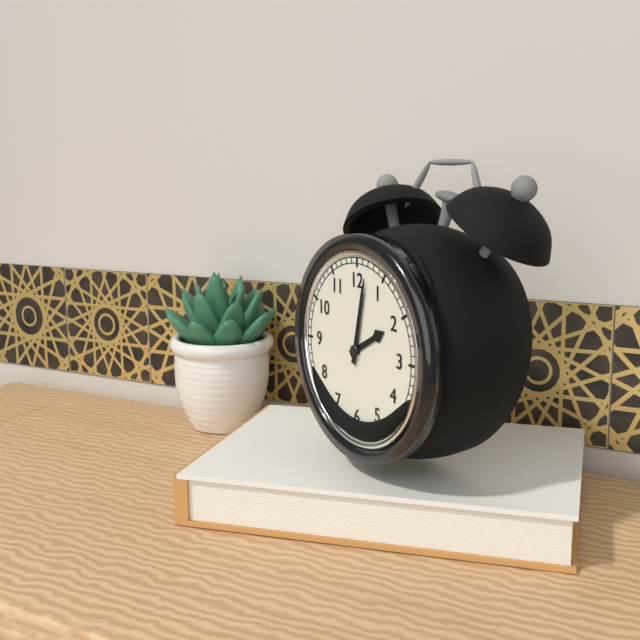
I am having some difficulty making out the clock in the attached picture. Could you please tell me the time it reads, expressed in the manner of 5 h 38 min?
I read 2 h 02 min
